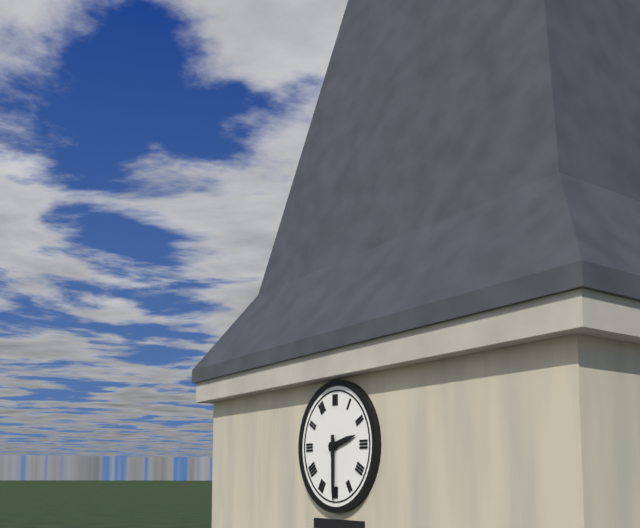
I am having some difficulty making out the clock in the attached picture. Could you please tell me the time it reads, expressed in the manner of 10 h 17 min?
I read 2 h 30 min
